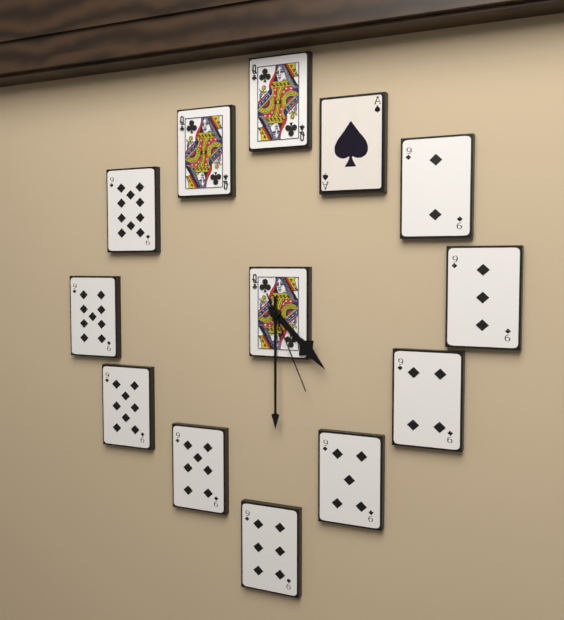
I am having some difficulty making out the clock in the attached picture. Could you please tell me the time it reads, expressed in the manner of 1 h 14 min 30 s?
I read 4 h 30 min 26 s
